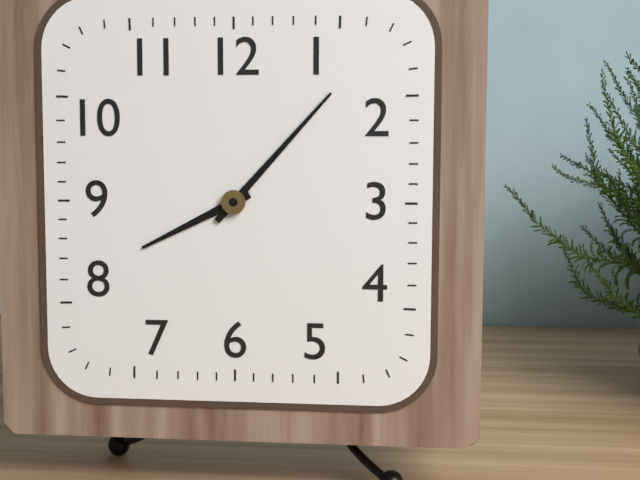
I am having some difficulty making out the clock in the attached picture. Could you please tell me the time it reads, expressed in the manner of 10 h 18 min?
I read 8 h 07 min
